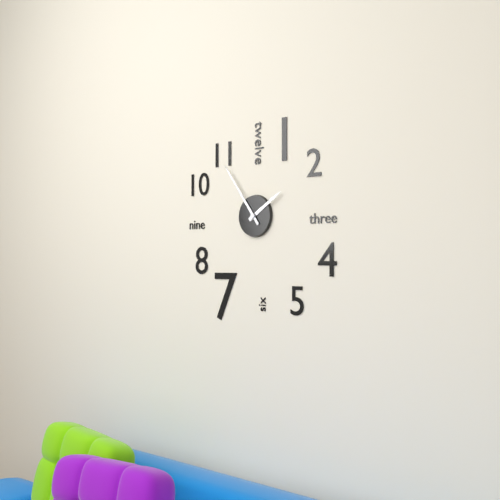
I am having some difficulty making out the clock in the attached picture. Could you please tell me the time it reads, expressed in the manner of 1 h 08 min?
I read 1 h 54 min
